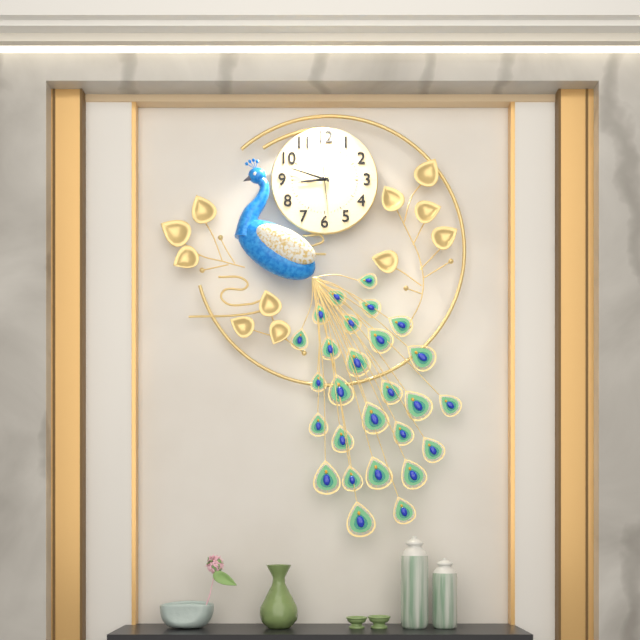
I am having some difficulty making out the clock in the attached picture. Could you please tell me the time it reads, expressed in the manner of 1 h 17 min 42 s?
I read 8 h 48 min 29 s
